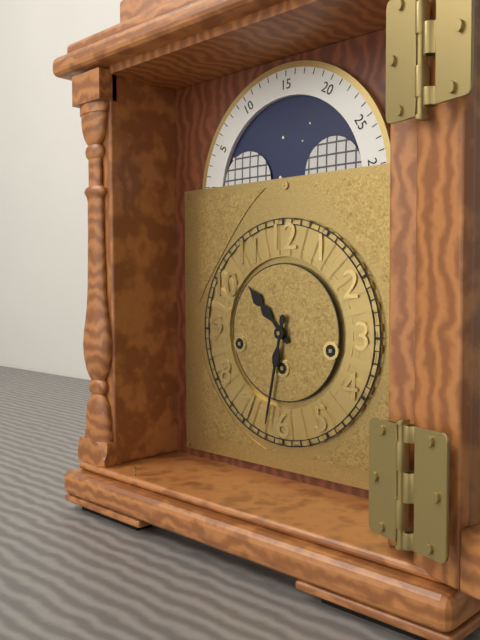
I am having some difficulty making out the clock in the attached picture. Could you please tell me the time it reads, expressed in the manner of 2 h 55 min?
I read 10 h 32 min
